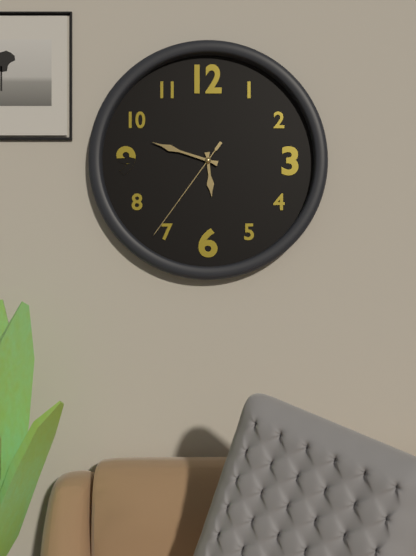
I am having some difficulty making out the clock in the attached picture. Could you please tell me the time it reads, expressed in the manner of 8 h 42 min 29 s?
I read 5 h 48 min 36 s
